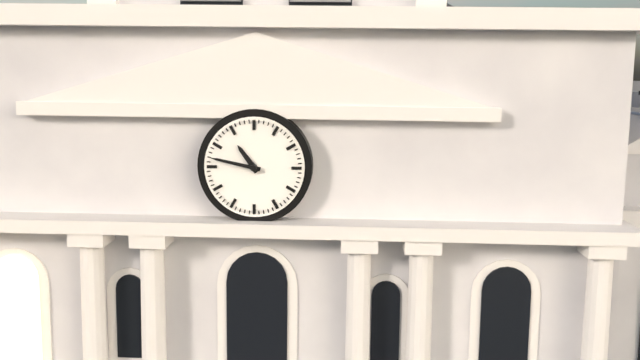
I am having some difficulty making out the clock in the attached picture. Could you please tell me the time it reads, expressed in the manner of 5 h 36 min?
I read 10 h 47 min
